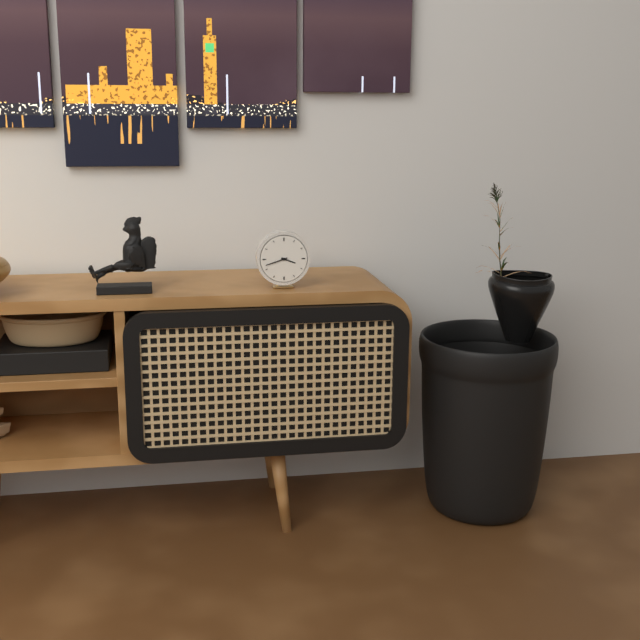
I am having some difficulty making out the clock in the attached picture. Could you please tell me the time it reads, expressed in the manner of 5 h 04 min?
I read 3 h 42 min
